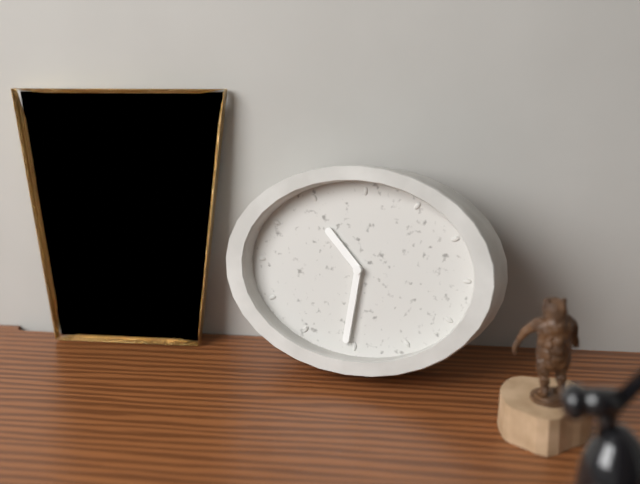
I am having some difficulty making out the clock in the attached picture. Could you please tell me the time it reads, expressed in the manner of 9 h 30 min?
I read 10 h 31 min
